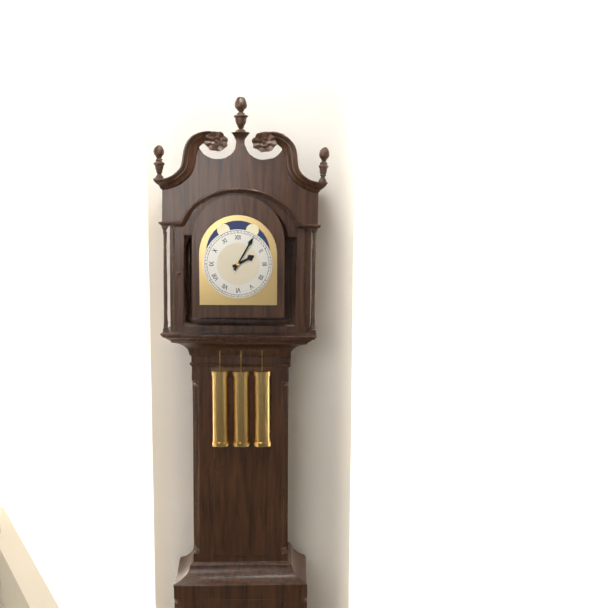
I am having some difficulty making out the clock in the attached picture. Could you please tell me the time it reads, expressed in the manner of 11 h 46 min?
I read 2 h 05 min
